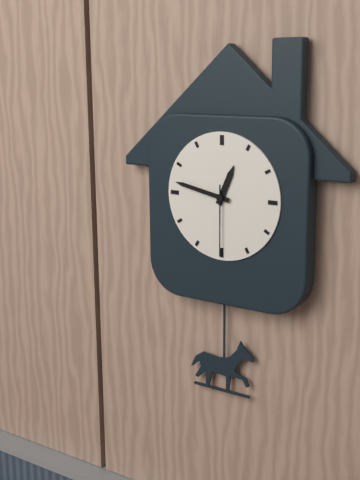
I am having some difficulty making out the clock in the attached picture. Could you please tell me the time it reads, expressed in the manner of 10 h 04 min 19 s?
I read 12 h 47 min 30 s
